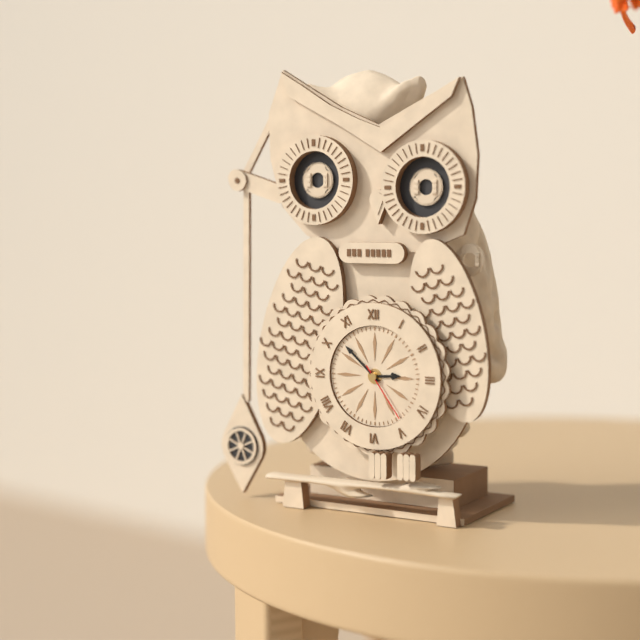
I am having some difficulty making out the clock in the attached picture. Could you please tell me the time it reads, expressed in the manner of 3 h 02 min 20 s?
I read 2 h 52 min 24 s
